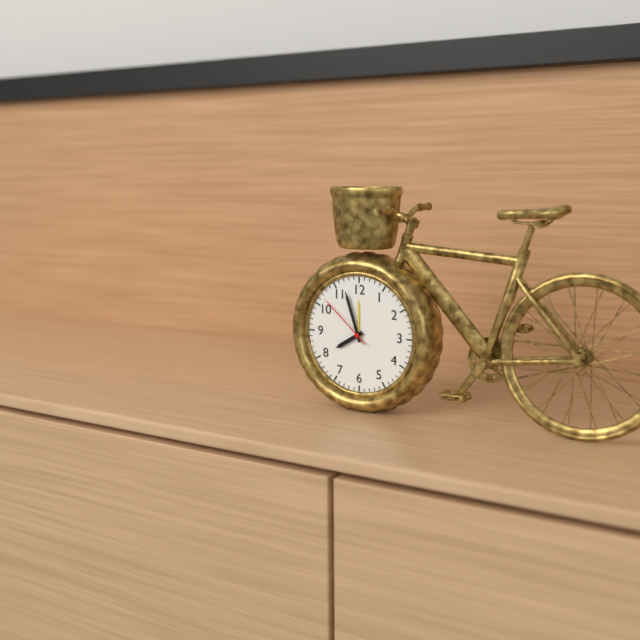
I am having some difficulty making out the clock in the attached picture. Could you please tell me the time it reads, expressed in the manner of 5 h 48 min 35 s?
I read 7 h 57 min 52 s
